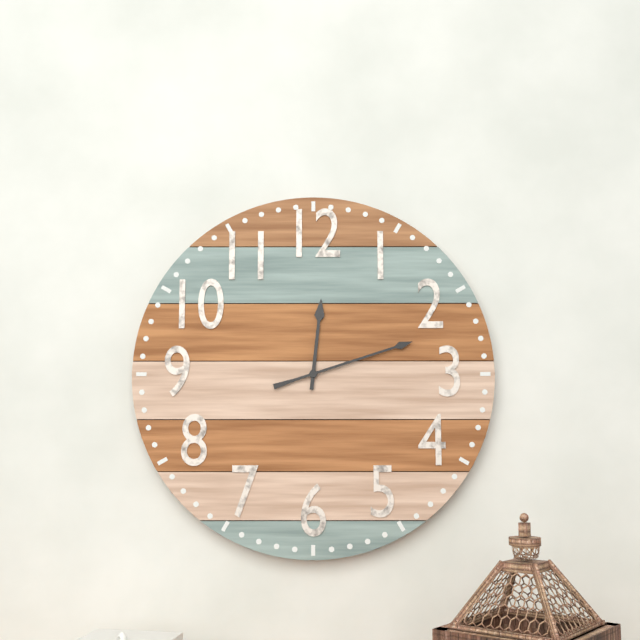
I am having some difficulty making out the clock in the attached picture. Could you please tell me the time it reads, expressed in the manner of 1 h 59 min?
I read 12 h 12 min
